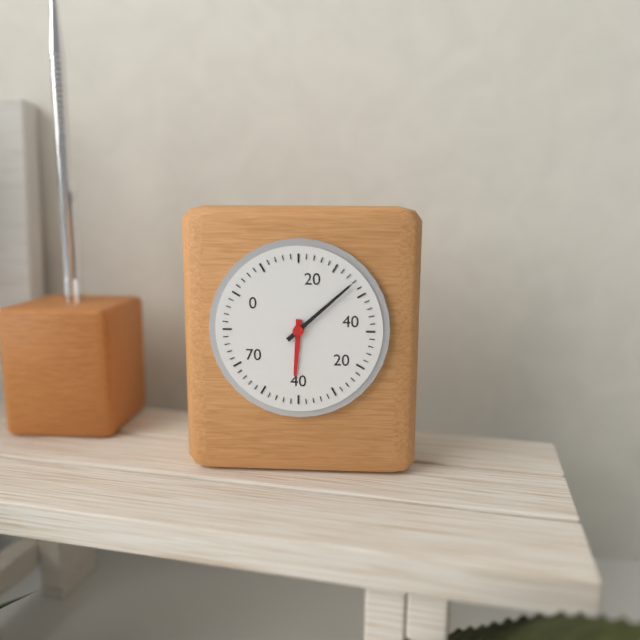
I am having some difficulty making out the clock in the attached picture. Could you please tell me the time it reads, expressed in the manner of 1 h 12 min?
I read 6 h 08 min
